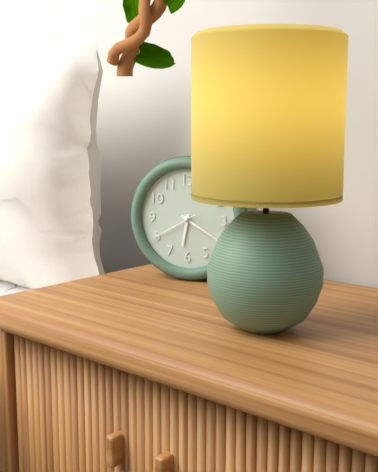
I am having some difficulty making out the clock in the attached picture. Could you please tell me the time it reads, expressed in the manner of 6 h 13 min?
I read 6 h 20 min
